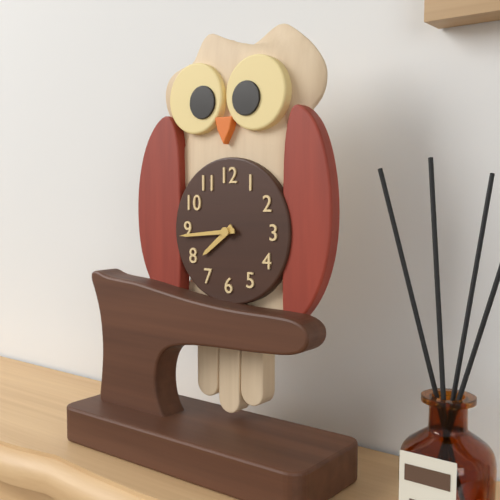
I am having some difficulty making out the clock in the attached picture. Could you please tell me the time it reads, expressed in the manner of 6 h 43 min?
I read 7 h 44 min
